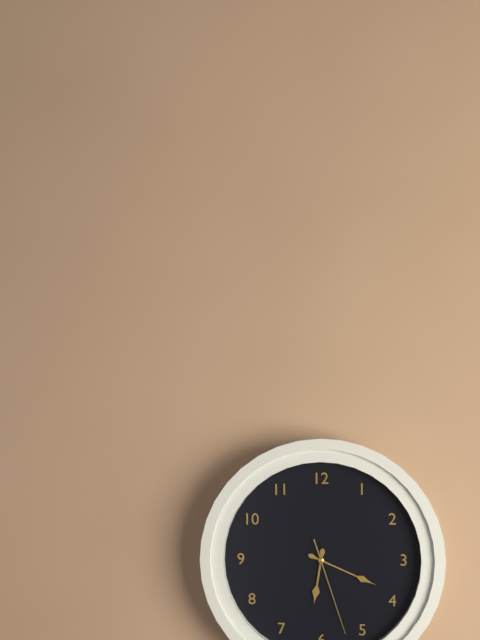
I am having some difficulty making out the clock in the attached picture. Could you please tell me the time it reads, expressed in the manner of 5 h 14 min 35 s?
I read 6 h 19 min 27 s
